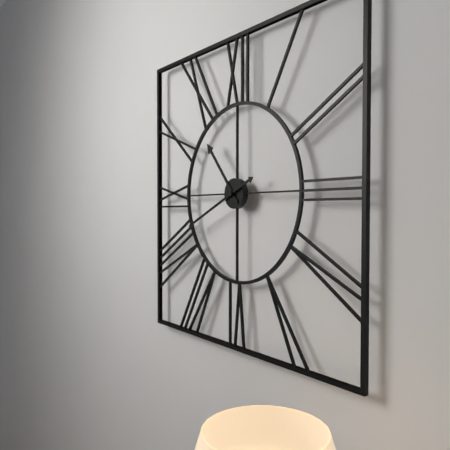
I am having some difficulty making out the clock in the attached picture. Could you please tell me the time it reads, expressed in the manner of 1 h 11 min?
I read 10 h 41 min
